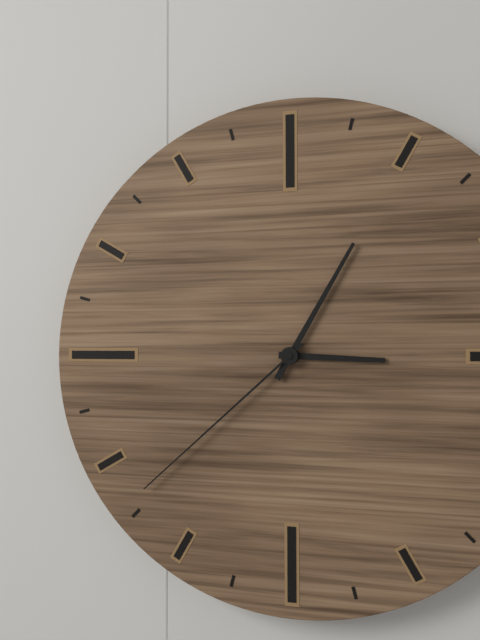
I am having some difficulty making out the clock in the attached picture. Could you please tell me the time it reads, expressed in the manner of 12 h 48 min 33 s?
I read 3 h 05 min 38 s
